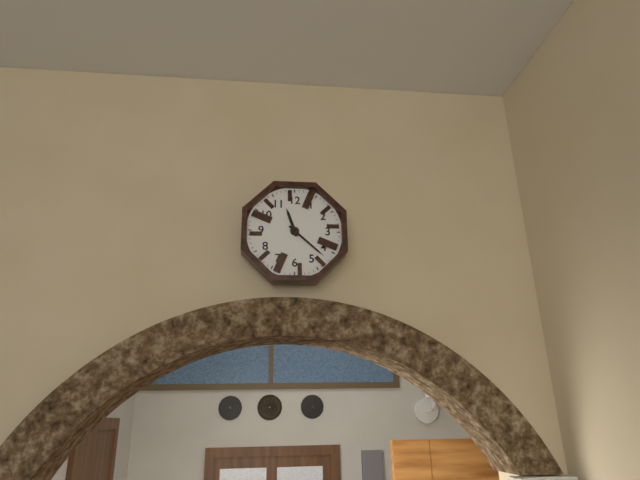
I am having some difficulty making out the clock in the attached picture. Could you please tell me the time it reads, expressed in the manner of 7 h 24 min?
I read 11 h 22 min
